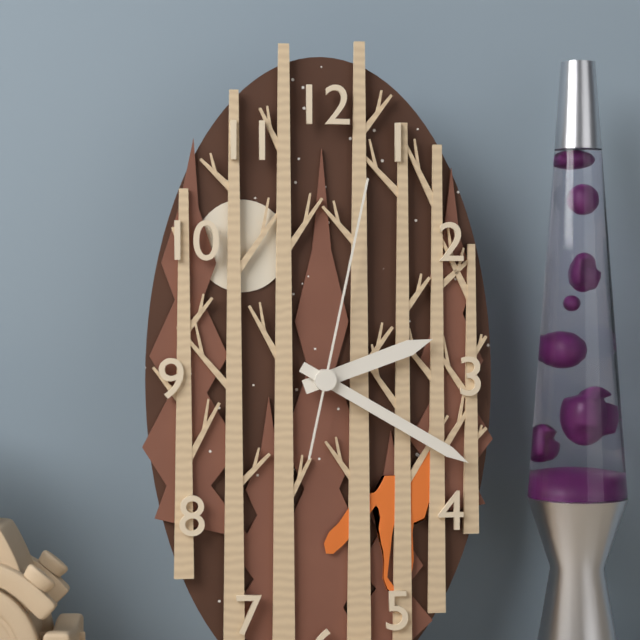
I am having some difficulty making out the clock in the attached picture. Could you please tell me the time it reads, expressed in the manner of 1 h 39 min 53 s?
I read 2 h 20 min 02 s
